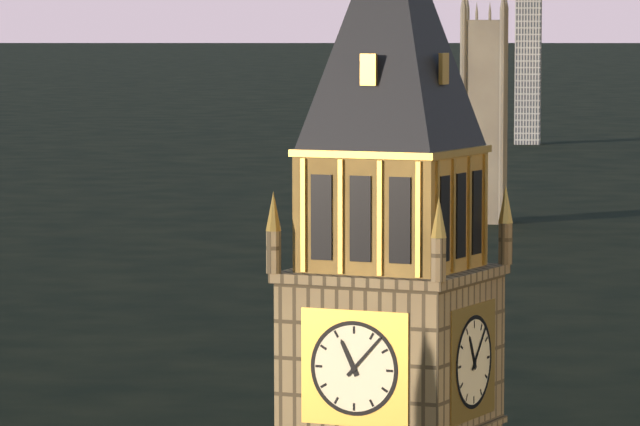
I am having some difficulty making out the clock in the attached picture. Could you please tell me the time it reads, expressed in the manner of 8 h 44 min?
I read 11 h 07 min
